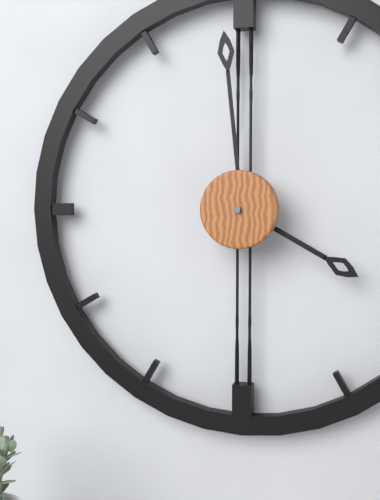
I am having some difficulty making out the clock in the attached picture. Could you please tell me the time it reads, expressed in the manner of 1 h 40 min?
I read 3 h 59 min
